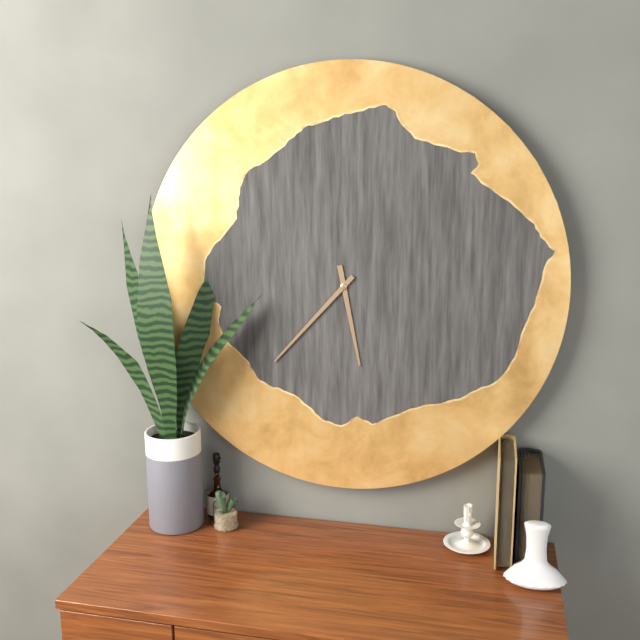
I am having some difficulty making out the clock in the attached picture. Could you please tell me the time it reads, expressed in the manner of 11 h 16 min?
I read 5 h 37 min
